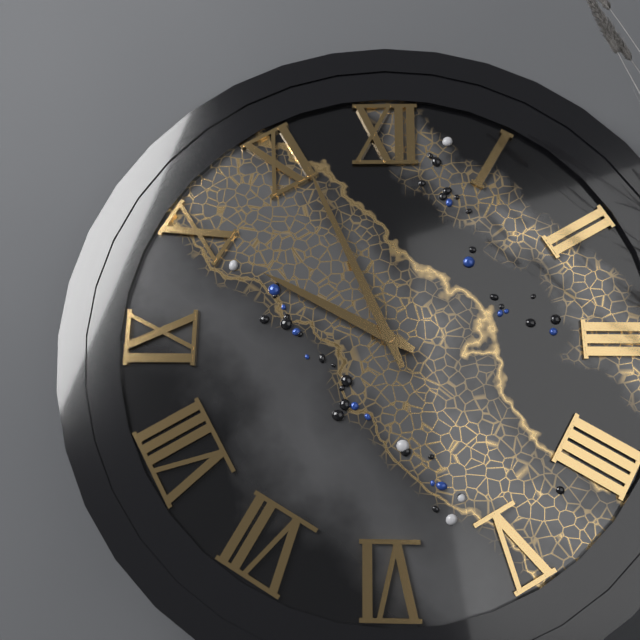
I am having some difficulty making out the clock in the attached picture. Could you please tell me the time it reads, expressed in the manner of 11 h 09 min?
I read 9 h 56 min
